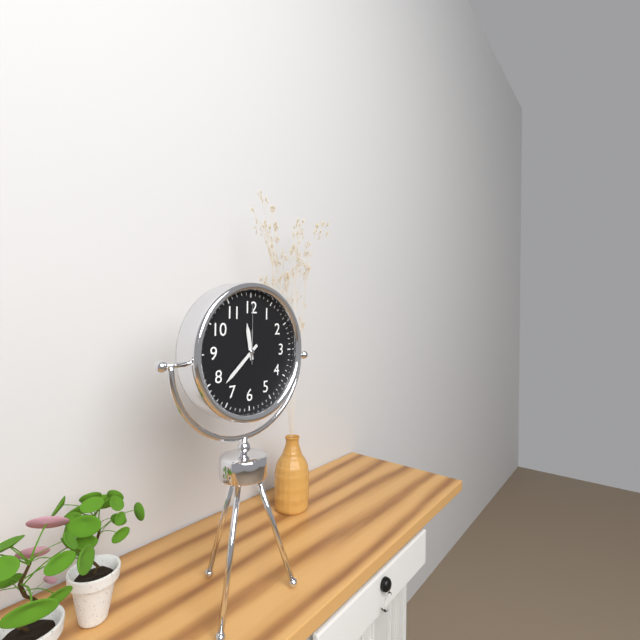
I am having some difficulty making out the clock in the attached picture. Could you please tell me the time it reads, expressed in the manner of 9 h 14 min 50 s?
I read 11 h 38 min 00 s
